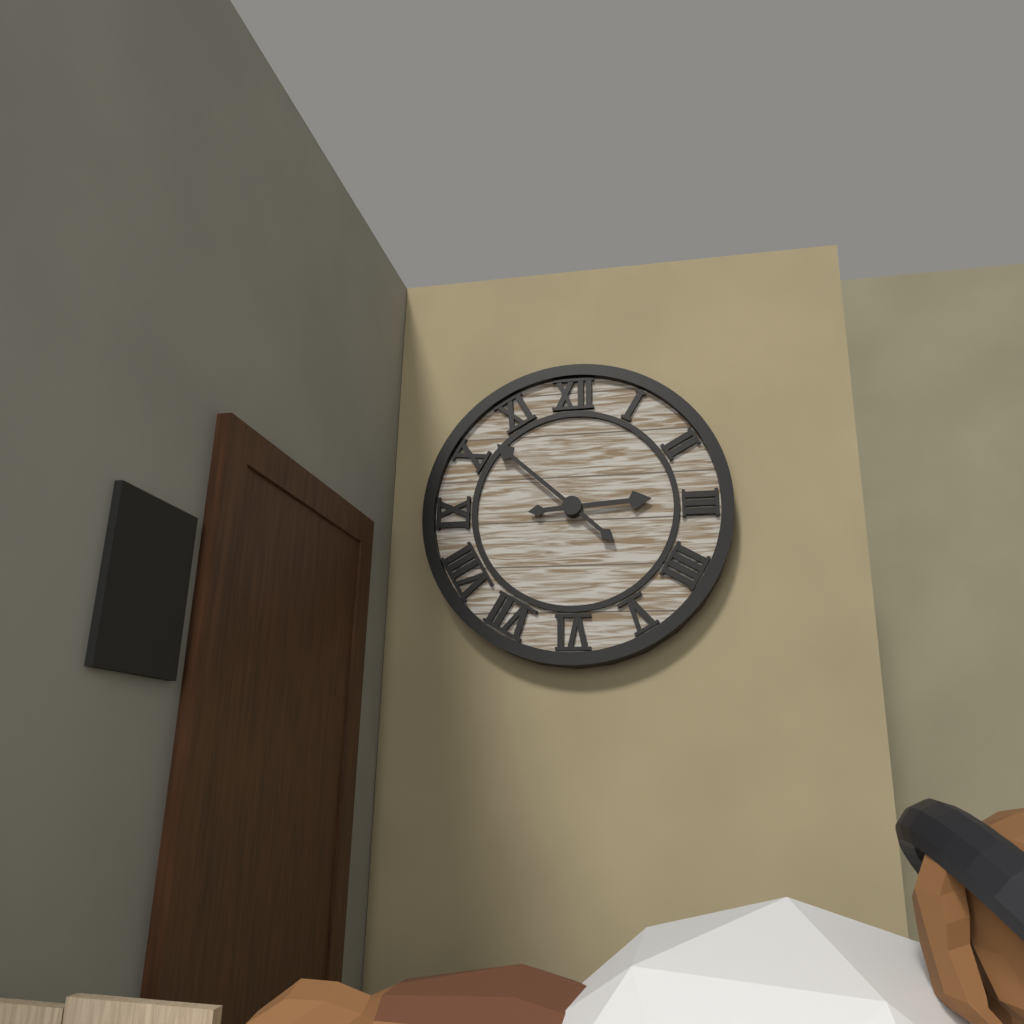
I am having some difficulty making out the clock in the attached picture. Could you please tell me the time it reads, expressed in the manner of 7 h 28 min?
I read 2 h 52 min
